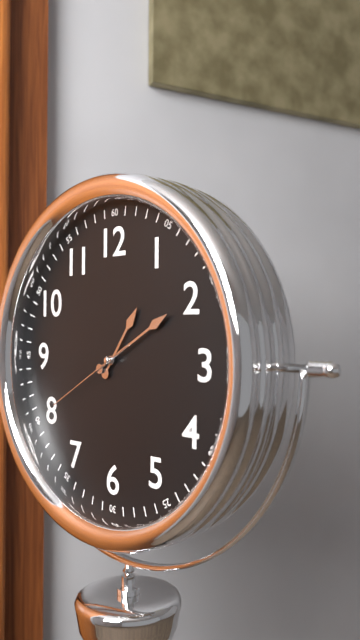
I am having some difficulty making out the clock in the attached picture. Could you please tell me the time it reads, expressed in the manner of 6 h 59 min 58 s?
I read 1 h 10 min 40 s
